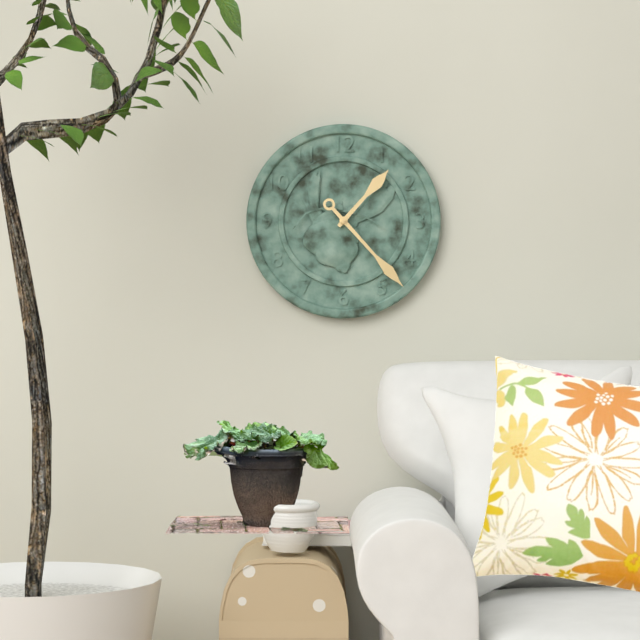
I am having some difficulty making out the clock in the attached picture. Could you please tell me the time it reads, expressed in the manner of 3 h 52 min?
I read 1 h 23 min
